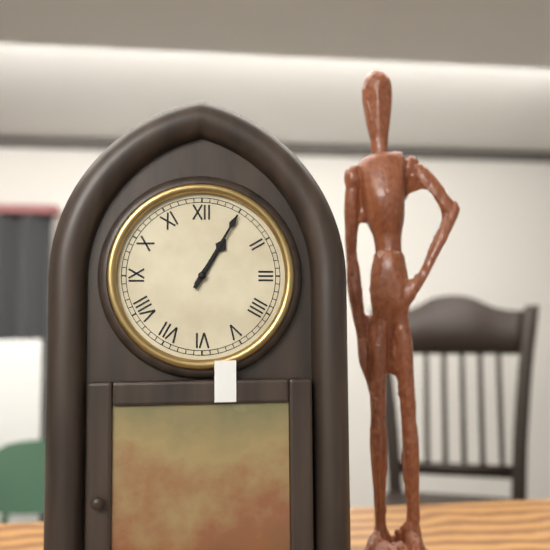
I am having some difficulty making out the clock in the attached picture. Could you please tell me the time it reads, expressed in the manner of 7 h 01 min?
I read 1 h 05 min
